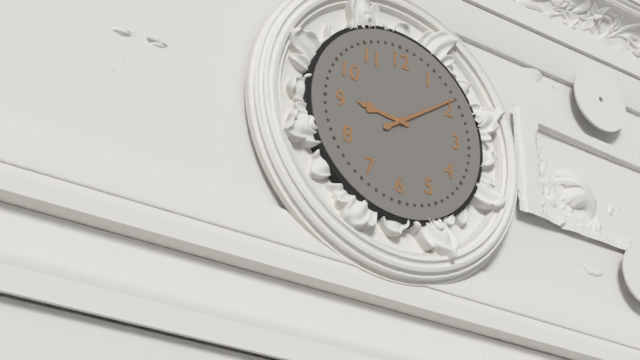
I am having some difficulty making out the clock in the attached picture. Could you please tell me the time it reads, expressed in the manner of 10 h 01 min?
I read 9 h 09 min
